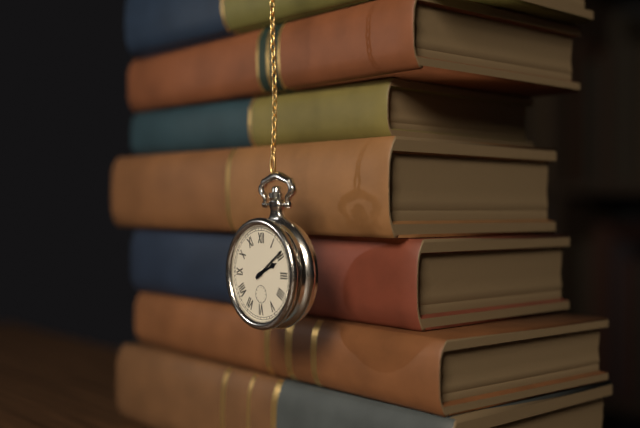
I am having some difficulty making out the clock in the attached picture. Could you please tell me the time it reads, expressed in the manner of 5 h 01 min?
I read 2 h 09 min
